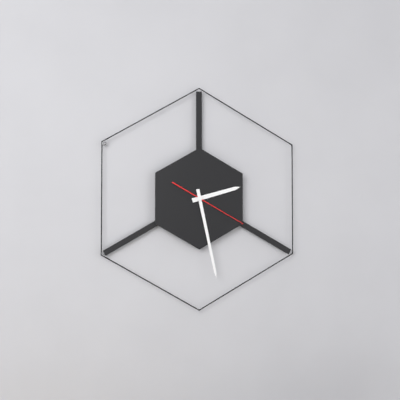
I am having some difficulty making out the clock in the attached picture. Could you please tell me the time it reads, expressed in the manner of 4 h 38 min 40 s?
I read 2 h 28 min 20 s
